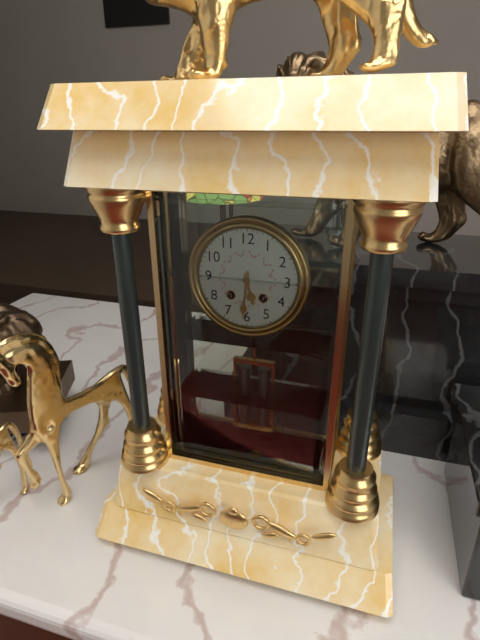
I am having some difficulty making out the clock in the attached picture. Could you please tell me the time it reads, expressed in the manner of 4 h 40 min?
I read 5 h 31 min
